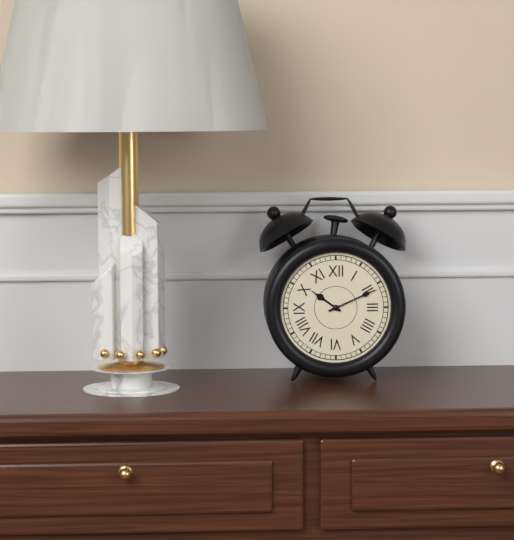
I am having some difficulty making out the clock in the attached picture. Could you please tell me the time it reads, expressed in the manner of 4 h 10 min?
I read 10 h 11 min
